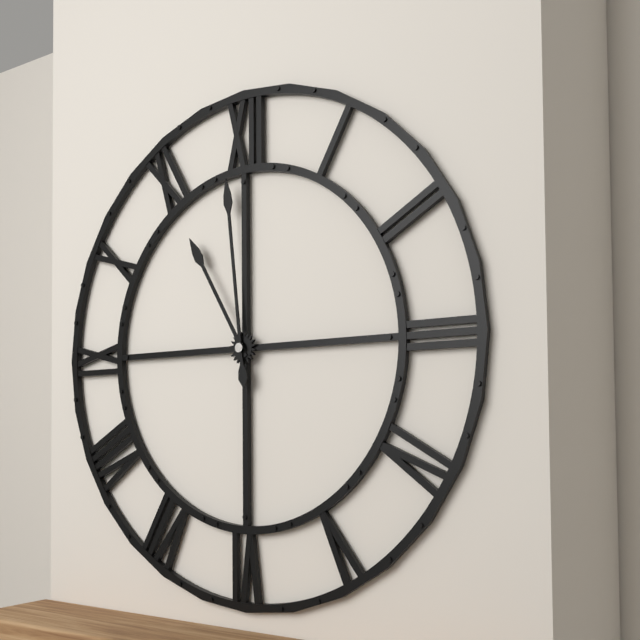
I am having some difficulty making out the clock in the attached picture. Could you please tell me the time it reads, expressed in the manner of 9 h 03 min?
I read 10 h 59 min
